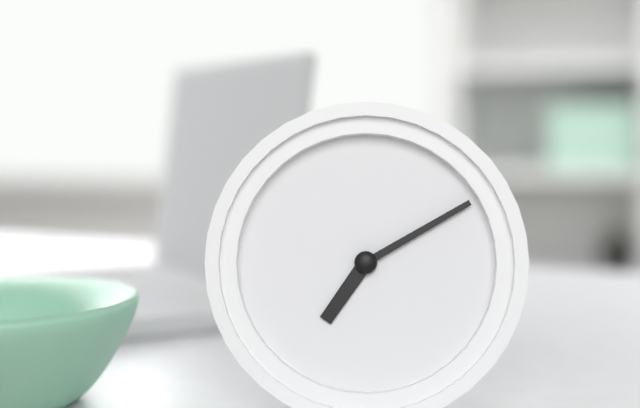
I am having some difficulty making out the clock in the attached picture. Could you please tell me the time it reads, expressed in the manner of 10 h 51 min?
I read 7 h 10 min
